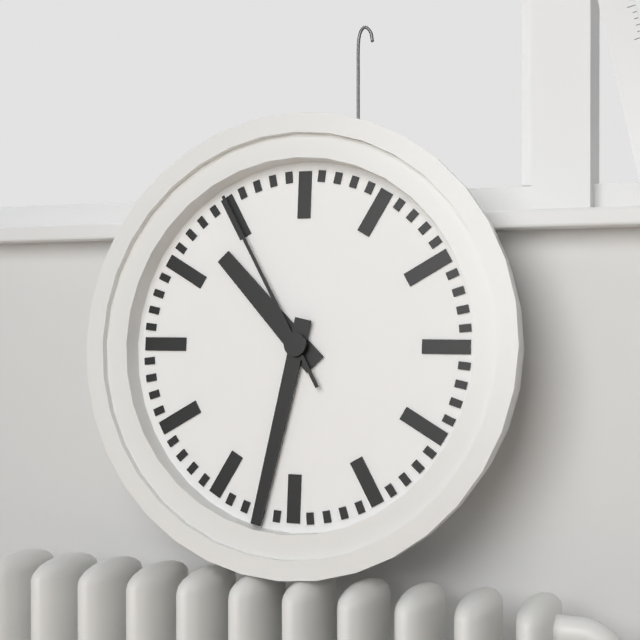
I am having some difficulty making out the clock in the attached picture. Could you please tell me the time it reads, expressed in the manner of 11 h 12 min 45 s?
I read 10 h 32 min 55 s
